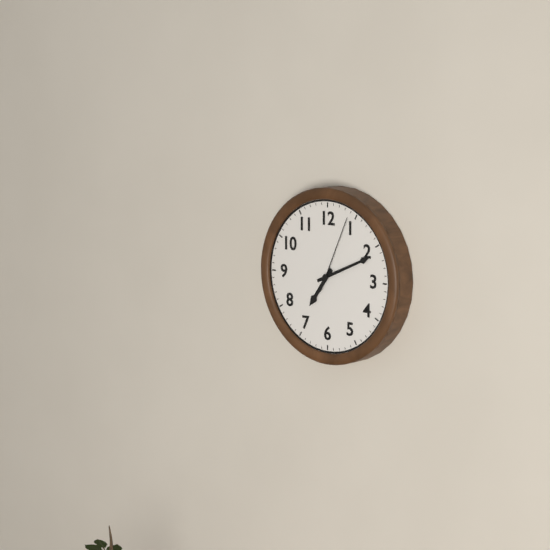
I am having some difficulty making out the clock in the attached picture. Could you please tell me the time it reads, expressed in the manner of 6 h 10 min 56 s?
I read 7 h 11 min 04 s
